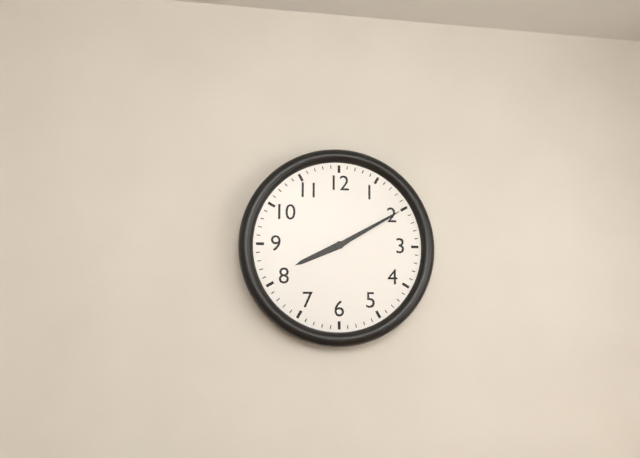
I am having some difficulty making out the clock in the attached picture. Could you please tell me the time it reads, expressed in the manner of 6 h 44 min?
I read 8 h 10 min
